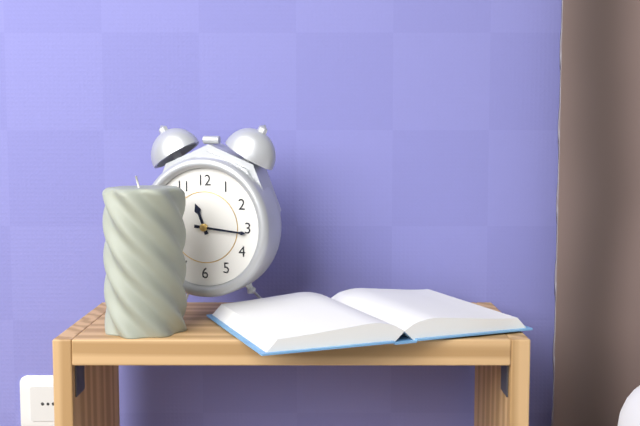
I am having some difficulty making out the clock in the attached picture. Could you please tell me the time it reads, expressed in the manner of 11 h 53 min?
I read 11 h 16 min
